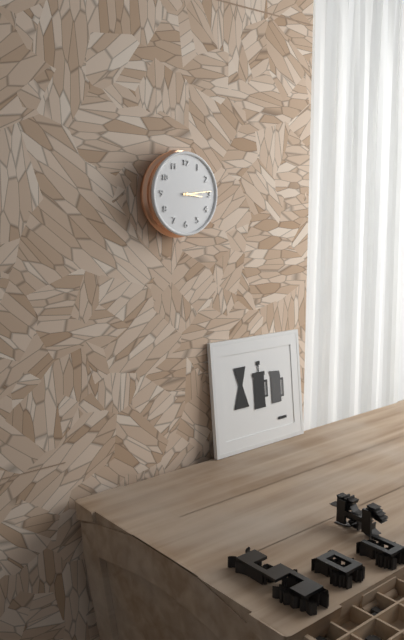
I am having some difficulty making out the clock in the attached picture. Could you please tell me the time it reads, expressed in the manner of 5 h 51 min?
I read 3 h 14 min
